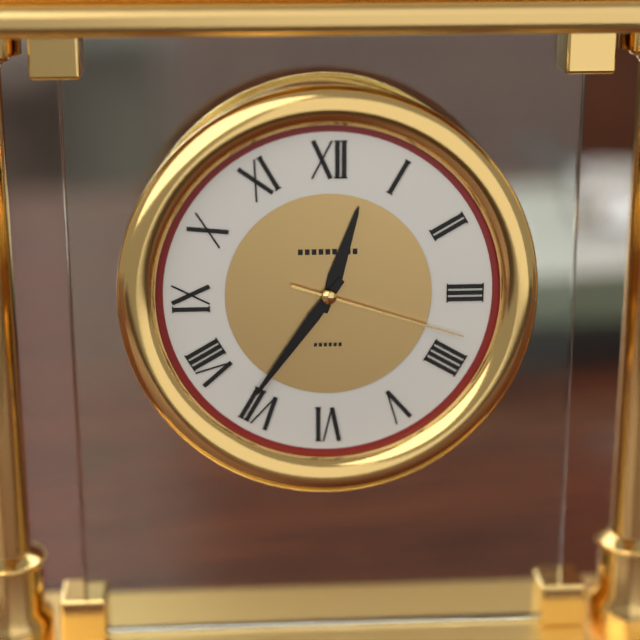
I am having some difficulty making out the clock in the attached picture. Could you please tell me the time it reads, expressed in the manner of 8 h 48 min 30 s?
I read 12 h 36 min 18 s
